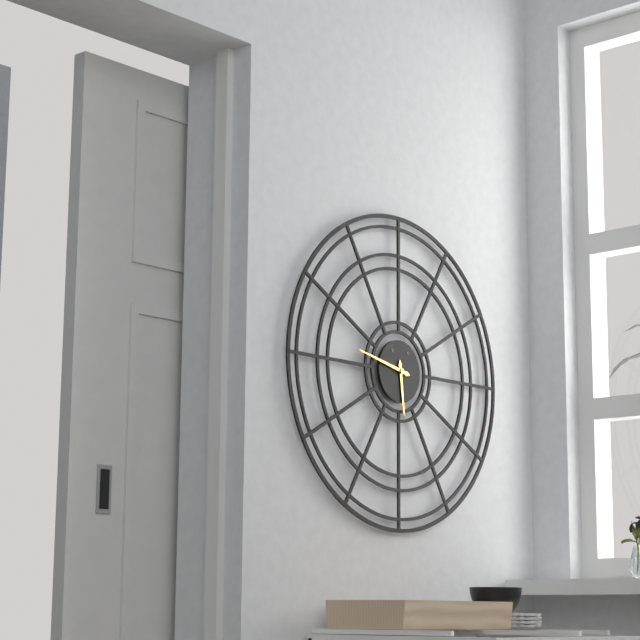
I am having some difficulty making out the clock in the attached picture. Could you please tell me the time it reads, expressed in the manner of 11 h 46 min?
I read 5 h 47 min
